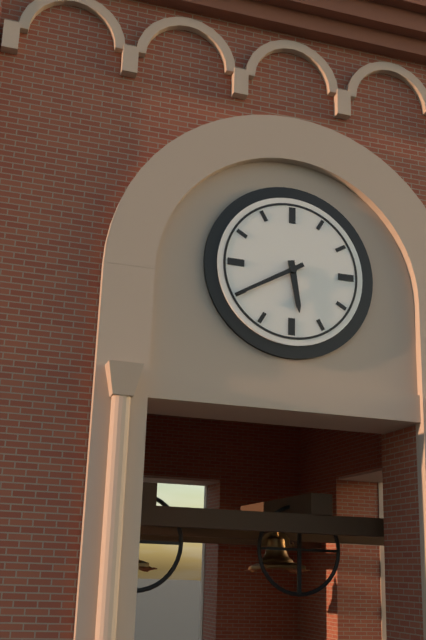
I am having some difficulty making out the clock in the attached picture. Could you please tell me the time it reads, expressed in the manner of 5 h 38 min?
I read 5 h 40 min
